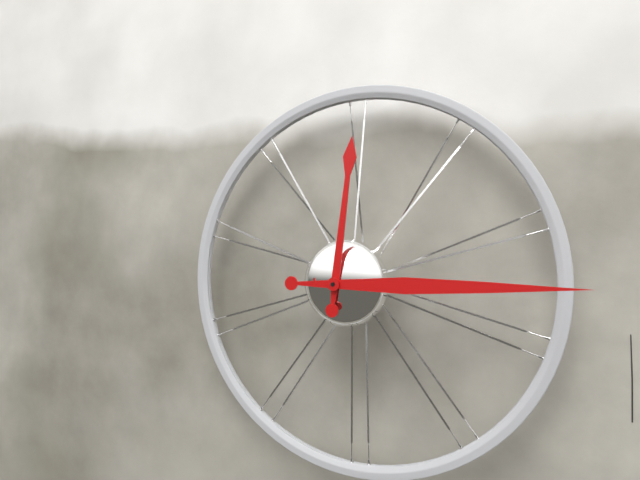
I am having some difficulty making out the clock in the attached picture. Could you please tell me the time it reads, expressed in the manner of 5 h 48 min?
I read 12 h 15 min
